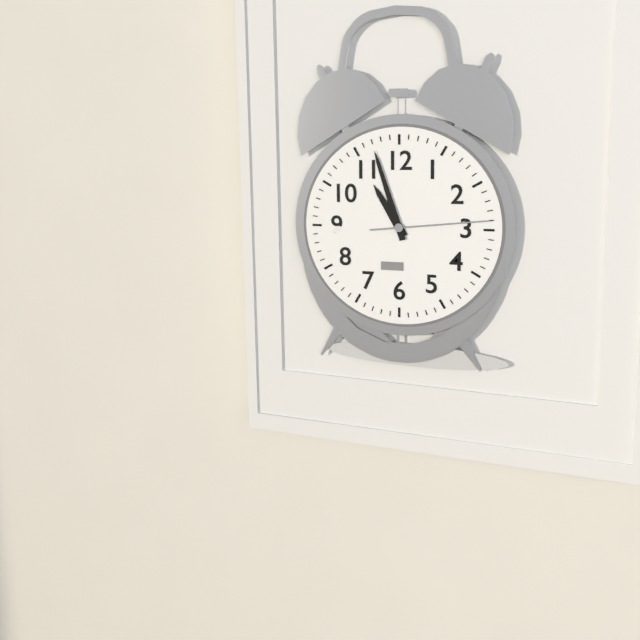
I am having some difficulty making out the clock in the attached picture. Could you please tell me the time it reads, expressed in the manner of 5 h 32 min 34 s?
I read 10 h 57 min 14 s
